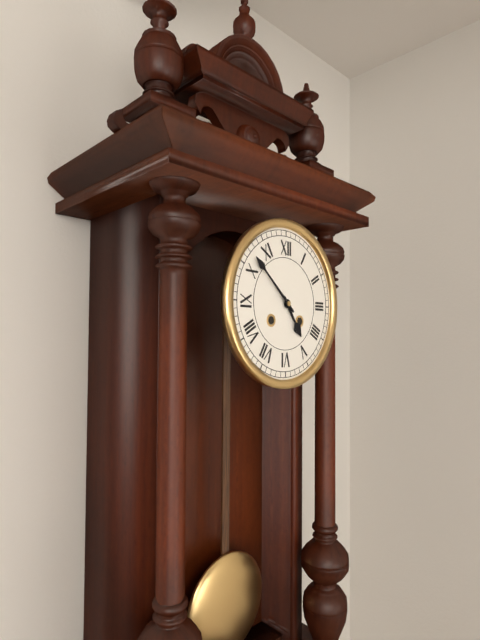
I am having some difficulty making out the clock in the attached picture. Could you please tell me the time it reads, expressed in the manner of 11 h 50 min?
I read 4 h 52 min
